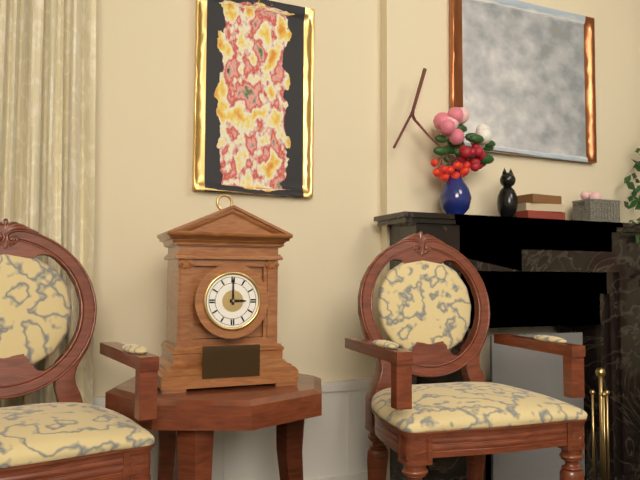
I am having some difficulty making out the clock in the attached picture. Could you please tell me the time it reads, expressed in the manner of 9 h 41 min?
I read 3 h 00 min
